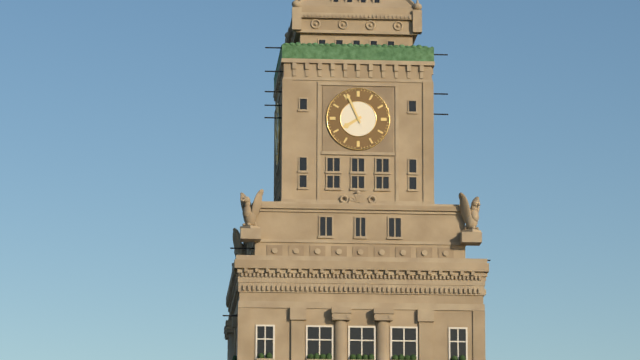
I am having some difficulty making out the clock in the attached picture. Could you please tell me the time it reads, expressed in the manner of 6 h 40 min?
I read 7 h 56 min
